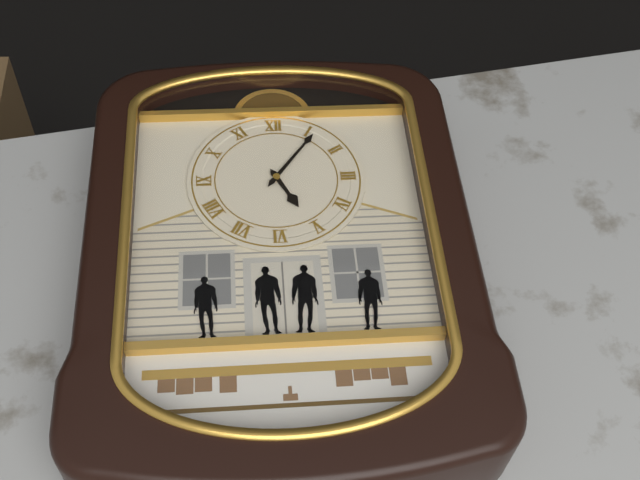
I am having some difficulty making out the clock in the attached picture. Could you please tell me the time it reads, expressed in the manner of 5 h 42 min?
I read 5 h 06 min
